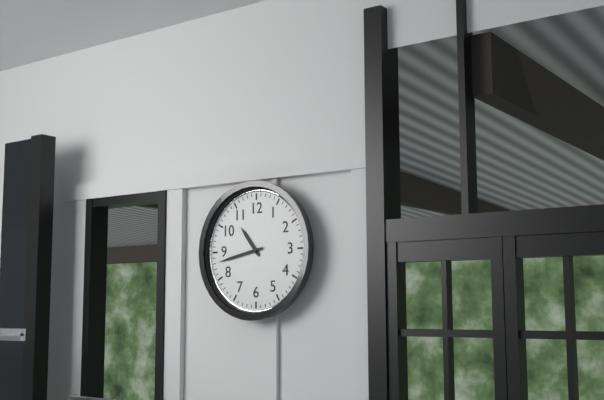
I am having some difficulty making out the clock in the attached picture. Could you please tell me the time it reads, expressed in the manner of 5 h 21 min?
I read 10 h 43 min
